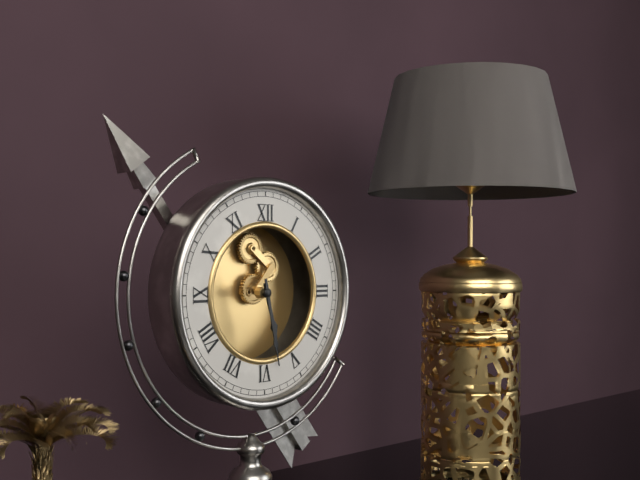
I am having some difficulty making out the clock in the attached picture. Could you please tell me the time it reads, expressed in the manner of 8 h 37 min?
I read 5 h 28 min
